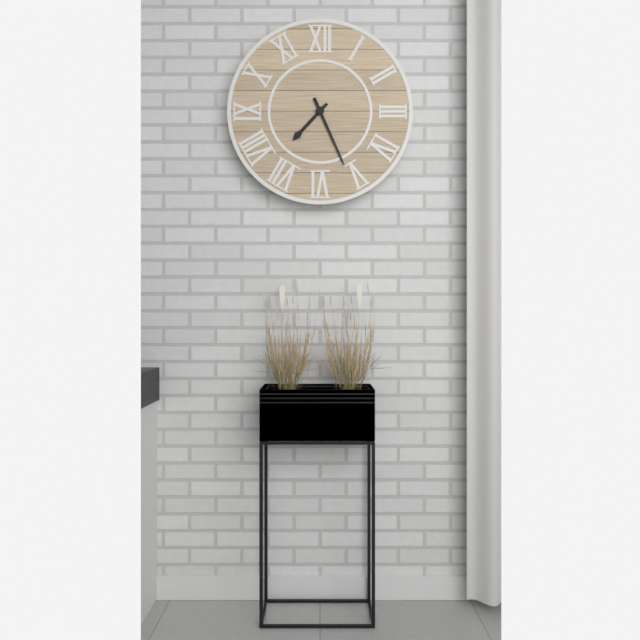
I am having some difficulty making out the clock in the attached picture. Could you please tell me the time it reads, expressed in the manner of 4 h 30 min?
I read 7 h 26 min
